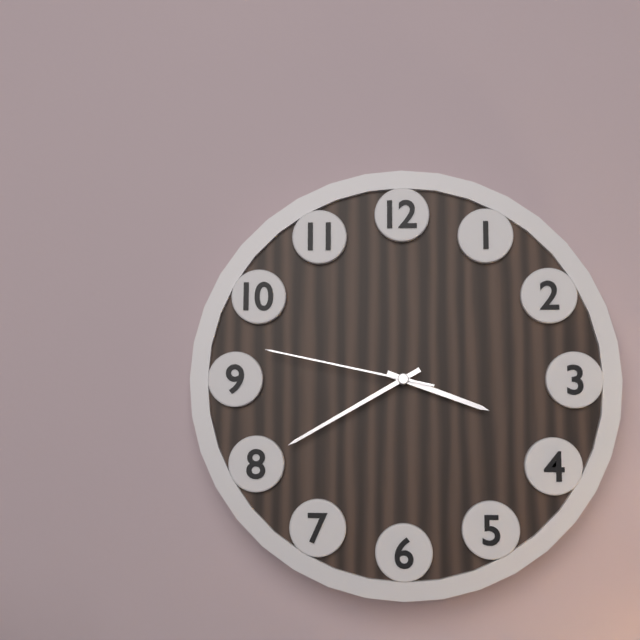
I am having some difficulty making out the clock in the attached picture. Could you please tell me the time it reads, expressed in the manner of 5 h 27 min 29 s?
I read 3 h 40 min 47 s
